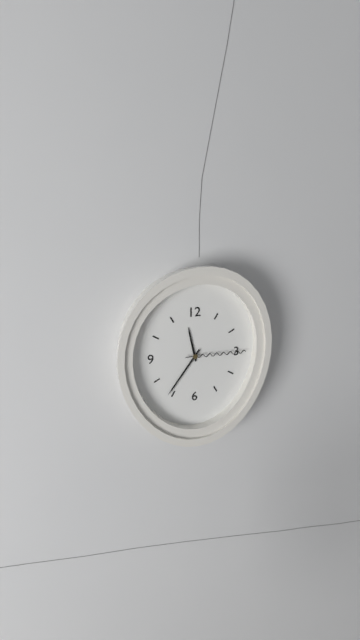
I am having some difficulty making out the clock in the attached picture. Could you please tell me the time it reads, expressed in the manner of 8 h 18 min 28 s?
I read 11 h 36 min 15 s
